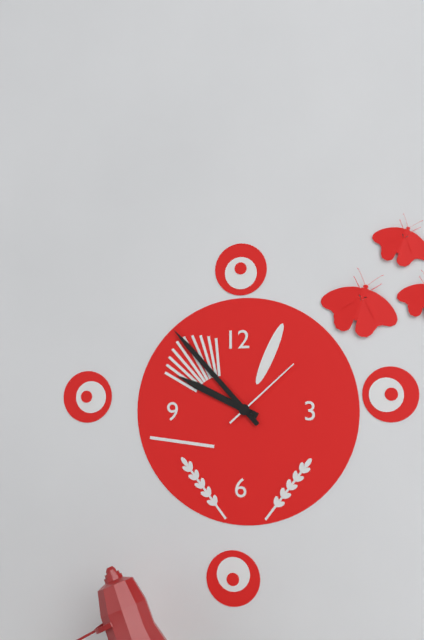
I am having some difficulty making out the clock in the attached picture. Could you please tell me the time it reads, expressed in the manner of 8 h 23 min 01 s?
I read 9 h 53 min 08 s
